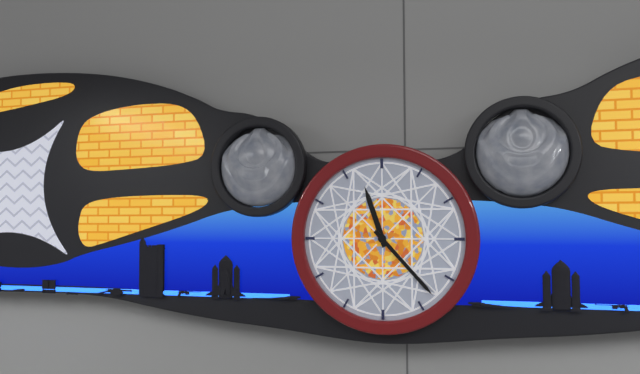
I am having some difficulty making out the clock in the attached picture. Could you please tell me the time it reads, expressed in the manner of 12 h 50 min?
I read 11 h 23 min
